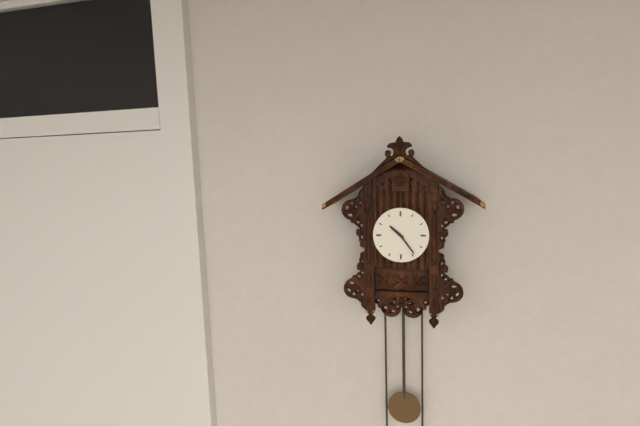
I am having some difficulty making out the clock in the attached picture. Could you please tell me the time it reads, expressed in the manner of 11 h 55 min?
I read 10 h 24 min
